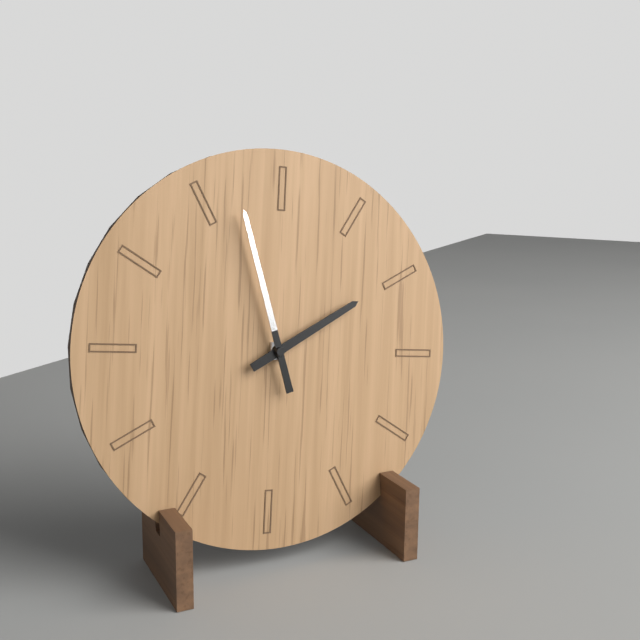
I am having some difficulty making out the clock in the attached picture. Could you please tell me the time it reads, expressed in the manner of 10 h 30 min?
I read 1 h 57 min
